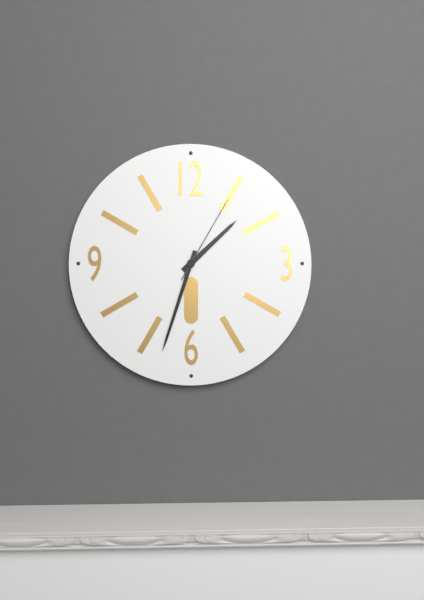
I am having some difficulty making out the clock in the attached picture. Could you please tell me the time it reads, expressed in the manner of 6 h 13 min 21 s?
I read 1 h 33 min 05 s
